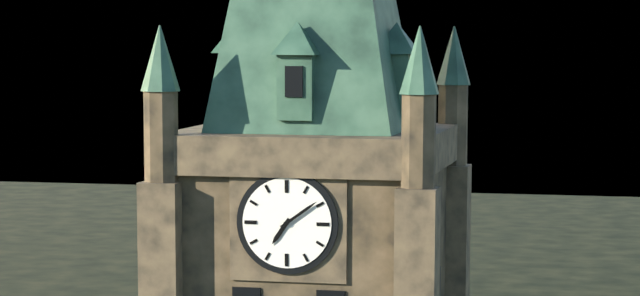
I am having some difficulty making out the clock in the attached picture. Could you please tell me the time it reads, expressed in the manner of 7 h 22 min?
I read 7 h 09 min
